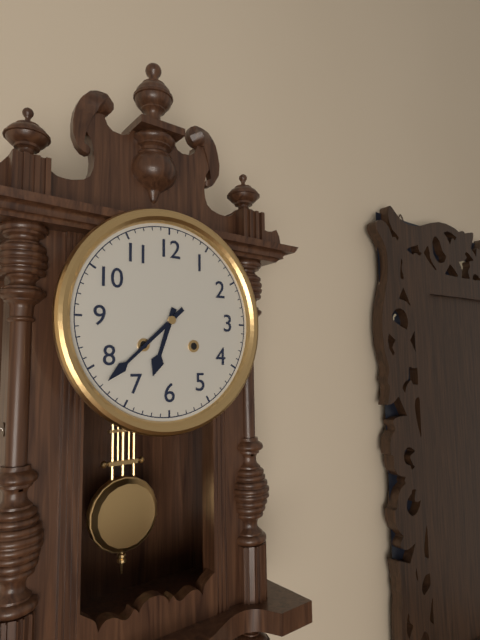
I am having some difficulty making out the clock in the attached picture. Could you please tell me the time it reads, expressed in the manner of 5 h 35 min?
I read 6 h 38 min
